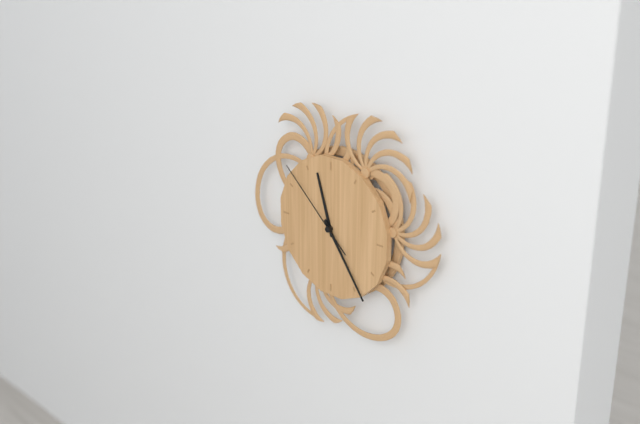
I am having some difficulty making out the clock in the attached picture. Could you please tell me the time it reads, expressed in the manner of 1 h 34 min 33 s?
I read 11 h 24 min 52 s
